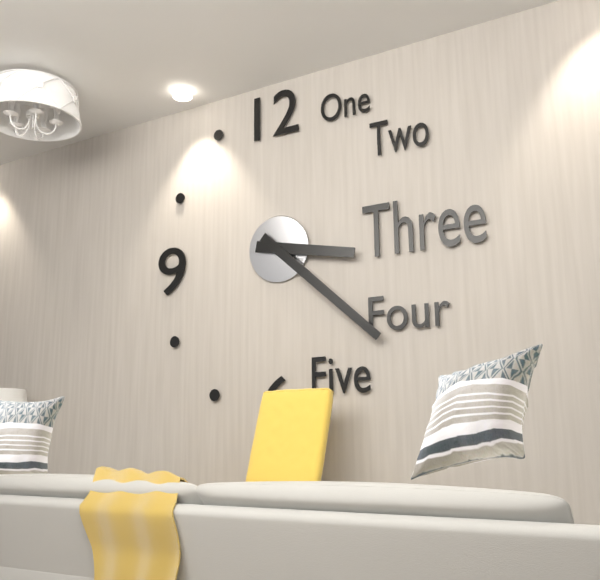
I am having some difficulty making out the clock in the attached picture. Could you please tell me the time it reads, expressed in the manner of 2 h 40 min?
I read 3 h 22 min
